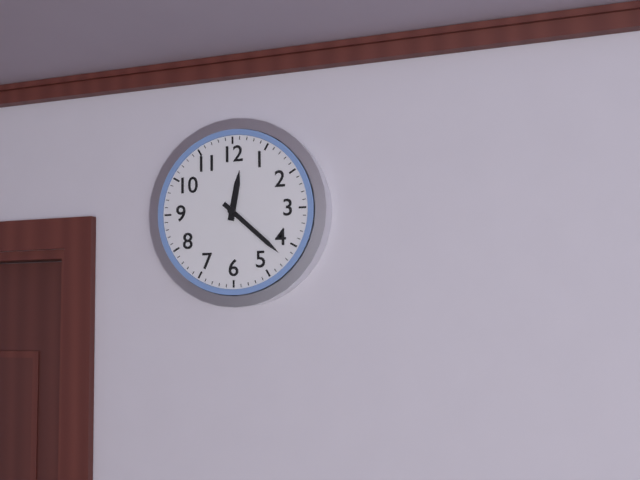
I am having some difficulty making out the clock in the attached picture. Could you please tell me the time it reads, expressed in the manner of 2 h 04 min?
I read 12 h 22 min
